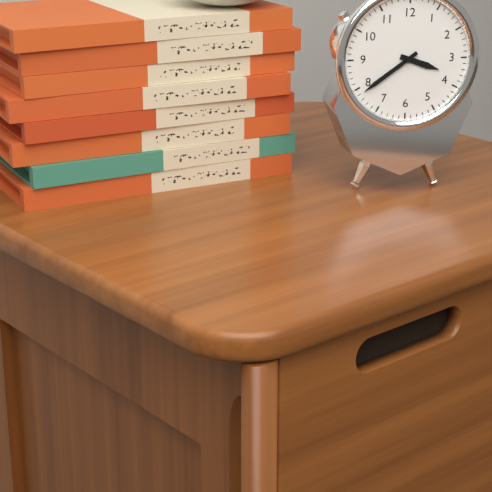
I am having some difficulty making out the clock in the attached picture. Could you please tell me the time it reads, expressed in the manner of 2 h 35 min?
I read 3 h 39 min
